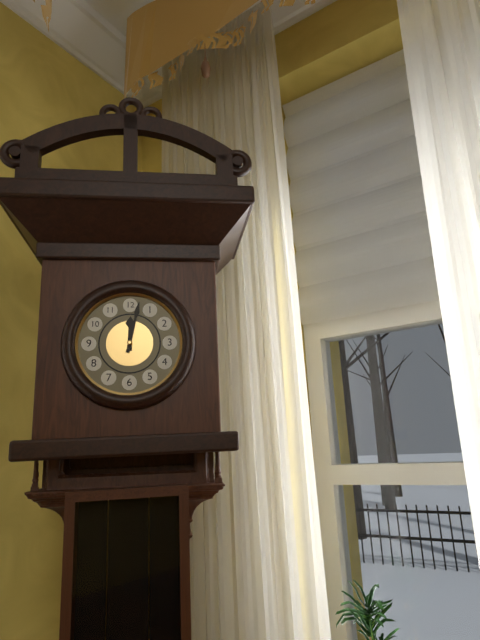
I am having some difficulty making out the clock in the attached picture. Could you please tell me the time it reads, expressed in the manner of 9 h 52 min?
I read 12 h 02 min
